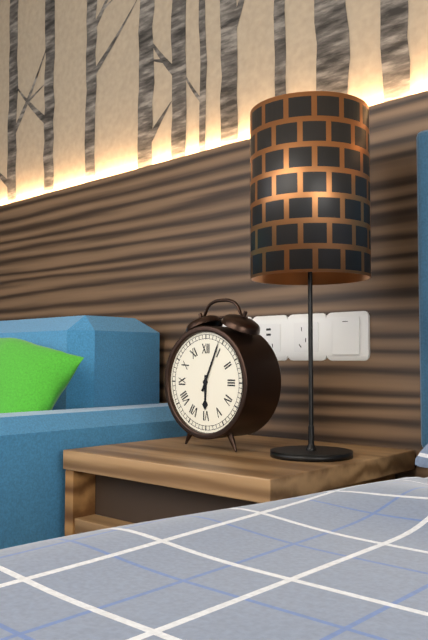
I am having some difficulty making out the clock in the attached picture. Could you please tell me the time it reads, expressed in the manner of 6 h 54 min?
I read 6 h 04 min
